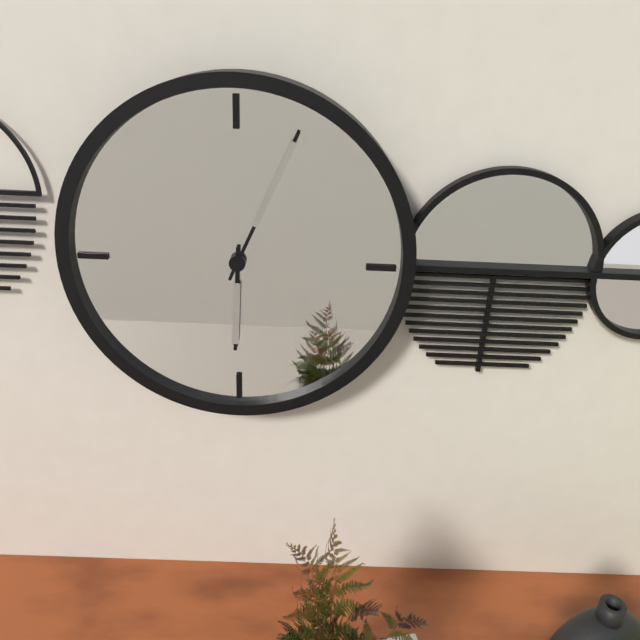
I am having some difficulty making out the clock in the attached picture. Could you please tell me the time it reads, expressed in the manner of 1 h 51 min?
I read 6 h 04 min
